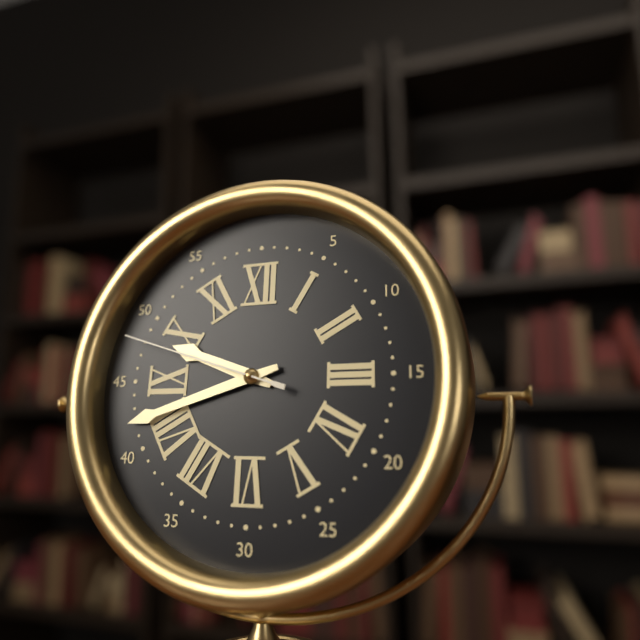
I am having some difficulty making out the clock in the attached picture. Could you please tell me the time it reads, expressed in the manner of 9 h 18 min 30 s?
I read 9 h 42 min 48 s
